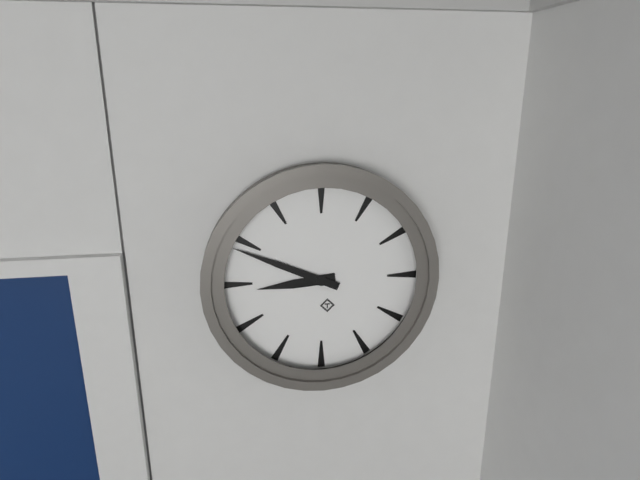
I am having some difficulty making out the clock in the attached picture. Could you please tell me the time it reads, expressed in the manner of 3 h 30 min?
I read 8 h 49 min
